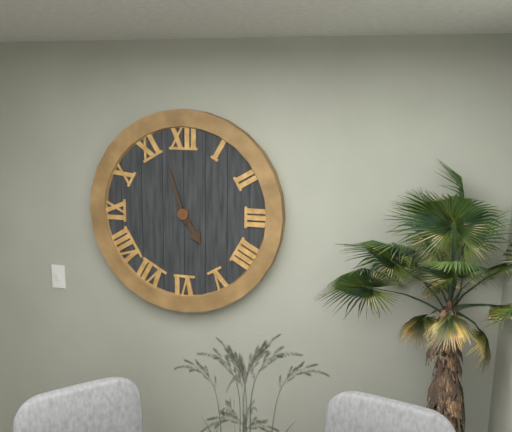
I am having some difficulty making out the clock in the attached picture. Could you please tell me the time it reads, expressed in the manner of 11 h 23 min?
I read 4 h 57 min
